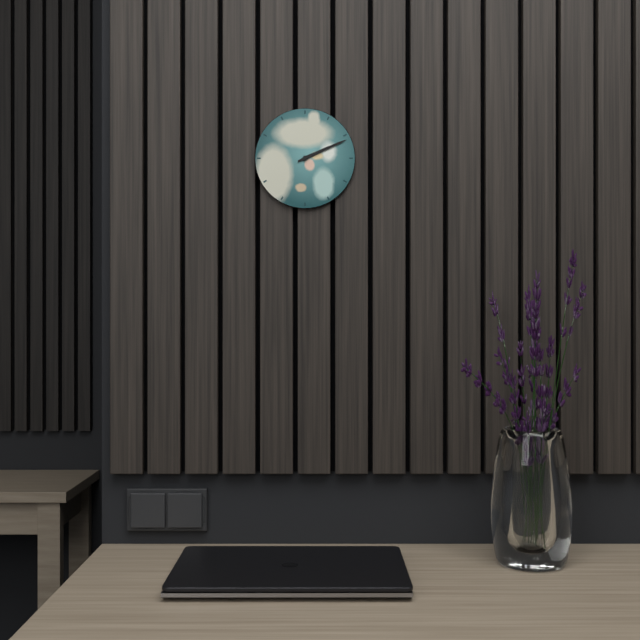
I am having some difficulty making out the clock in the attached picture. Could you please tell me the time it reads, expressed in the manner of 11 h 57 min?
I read 2 h 11 min
